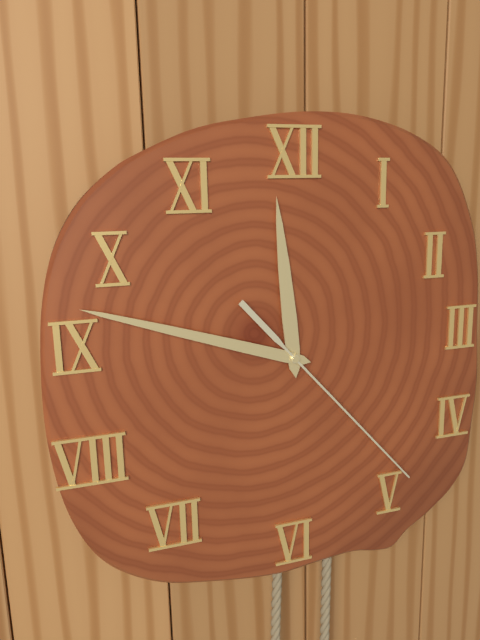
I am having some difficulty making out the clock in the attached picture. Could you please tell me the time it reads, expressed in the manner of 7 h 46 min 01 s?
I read 11 h 48 min 23 s
